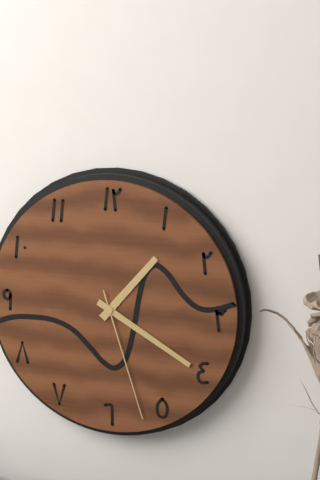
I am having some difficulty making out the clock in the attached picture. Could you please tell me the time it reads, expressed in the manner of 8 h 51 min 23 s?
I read 1 h 20 min 27 s
